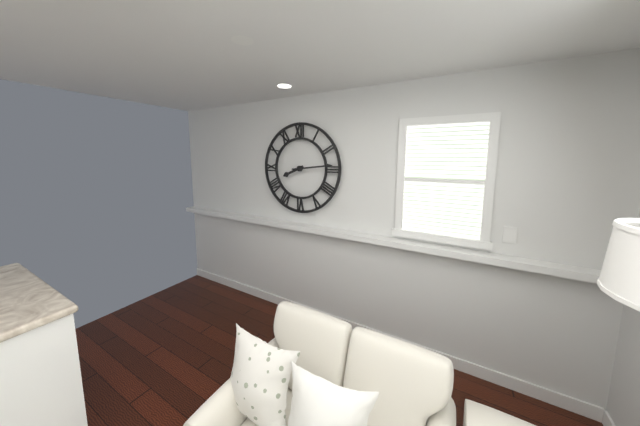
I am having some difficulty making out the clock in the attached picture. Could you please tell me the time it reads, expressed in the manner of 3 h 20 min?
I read 8 h 14 min
